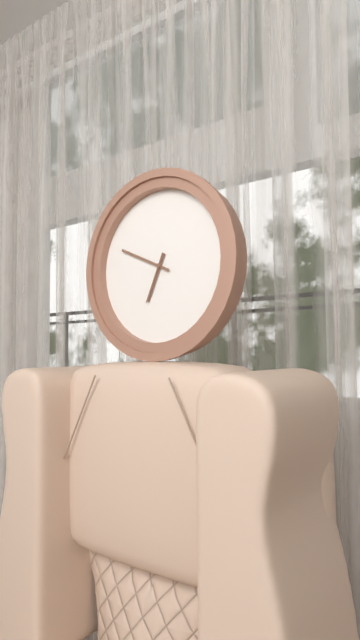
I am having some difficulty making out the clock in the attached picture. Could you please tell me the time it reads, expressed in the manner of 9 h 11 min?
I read 6 h 49 min
